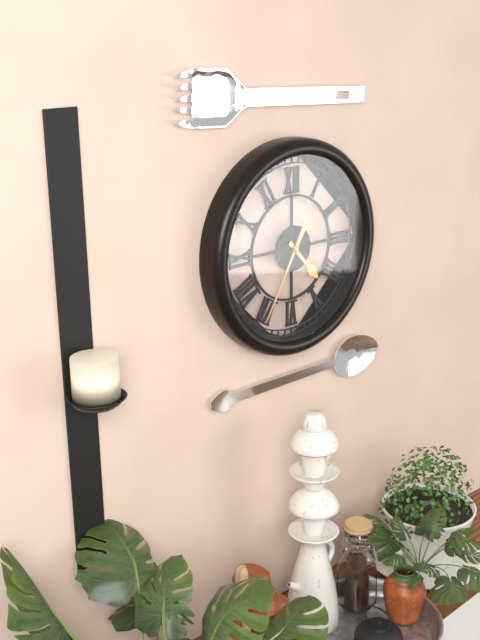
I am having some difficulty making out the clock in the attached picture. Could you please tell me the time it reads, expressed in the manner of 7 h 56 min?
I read 4 h 35 min
